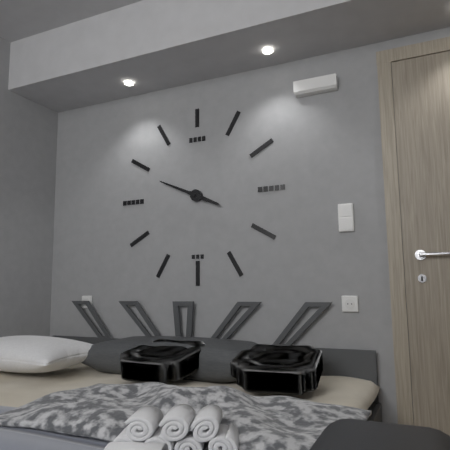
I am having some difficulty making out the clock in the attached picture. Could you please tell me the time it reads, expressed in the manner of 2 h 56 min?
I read 3 h 49 min
